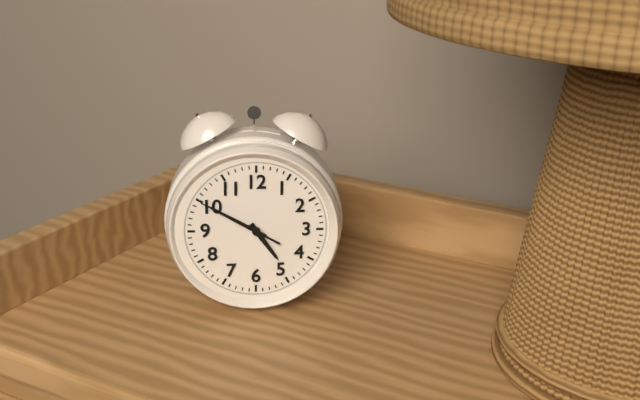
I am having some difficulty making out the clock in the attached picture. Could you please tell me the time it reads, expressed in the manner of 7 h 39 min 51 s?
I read 4 h 50 min 50 s
